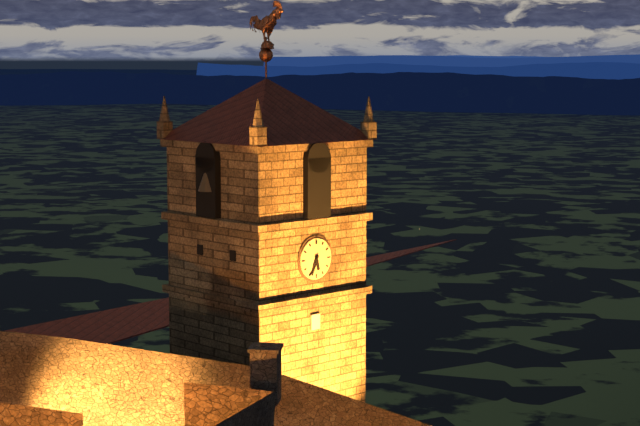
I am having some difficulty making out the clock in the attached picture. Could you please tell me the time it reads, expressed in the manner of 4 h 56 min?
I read 5 h 34 min
